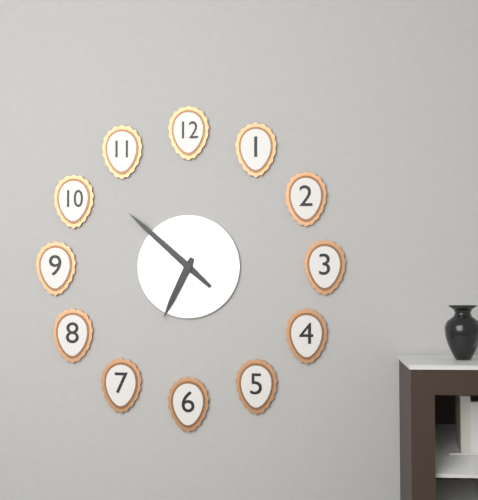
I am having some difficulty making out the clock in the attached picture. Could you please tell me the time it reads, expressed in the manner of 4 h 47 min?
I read 6 h 52 min
